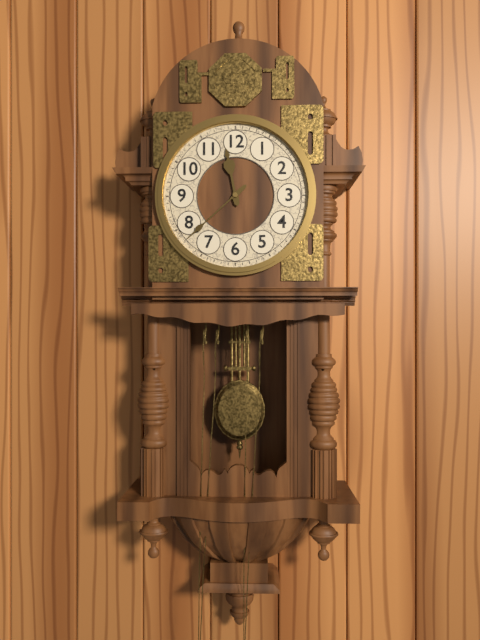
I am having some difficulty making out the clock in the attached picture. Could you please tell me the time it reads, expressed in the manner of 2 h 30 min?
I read 11 h 38 min
